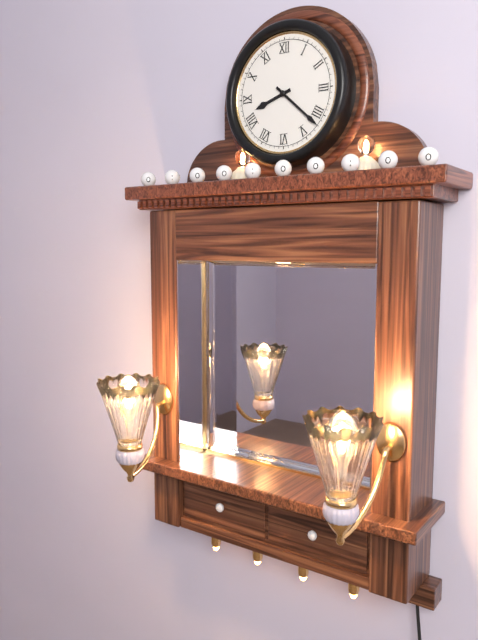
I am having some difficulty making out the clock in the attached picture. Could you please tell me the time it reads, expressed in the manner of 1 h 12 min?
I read 8 h 22 min
